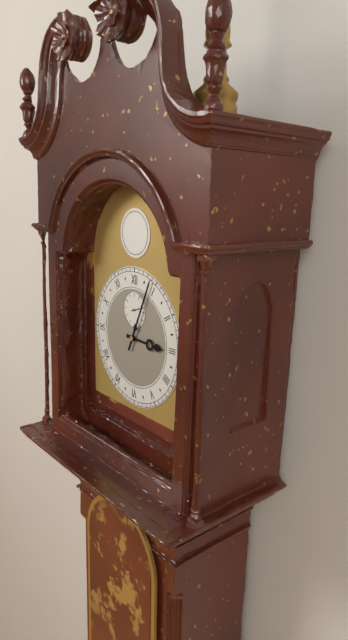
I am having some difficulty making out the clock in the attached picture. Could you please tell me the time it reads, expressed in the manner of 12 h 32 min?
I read 3 h 04 min
